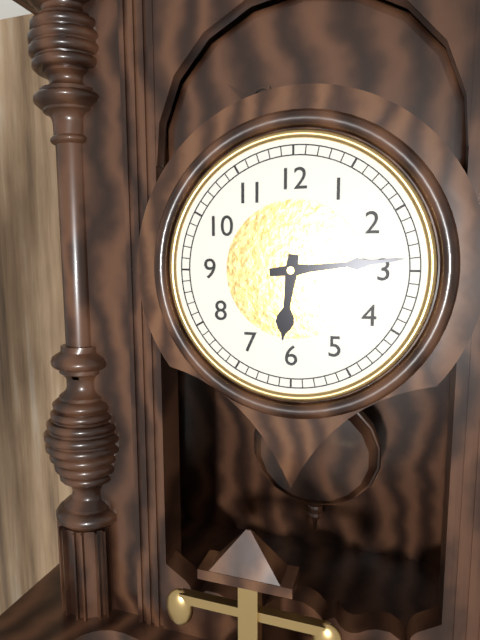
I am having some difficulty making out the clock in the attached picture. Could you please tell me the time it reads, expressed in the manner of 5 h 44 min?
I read 6 h 14 min
